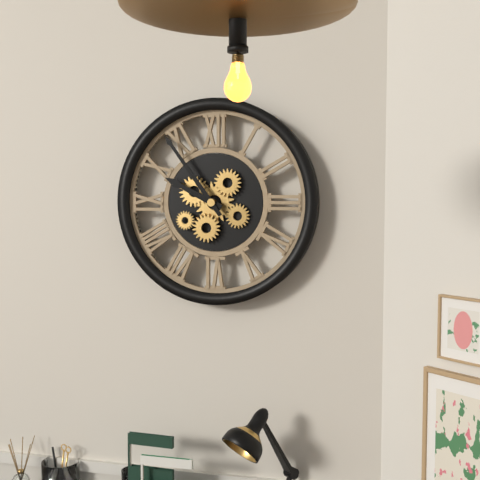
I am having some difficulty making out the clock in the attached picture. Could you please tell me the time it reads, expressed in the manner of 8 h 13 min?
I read 9 h 54 min
